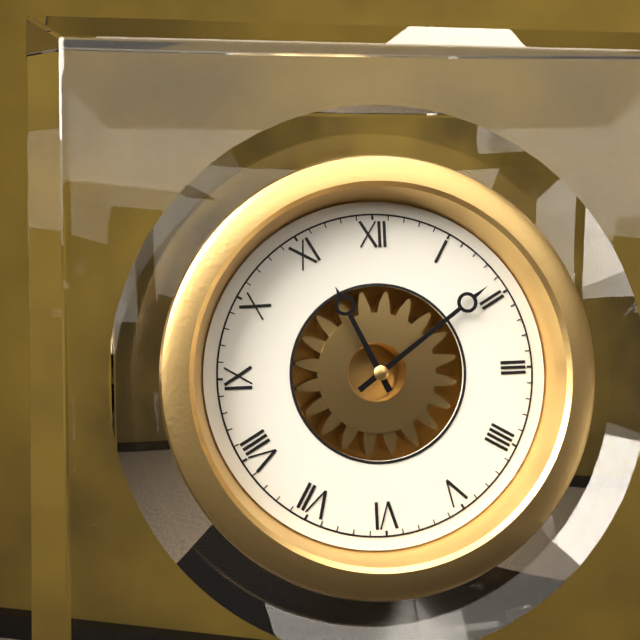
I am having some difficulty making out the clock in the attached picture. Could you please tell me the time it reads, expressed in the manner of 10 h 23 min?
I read 11 h 09 min
